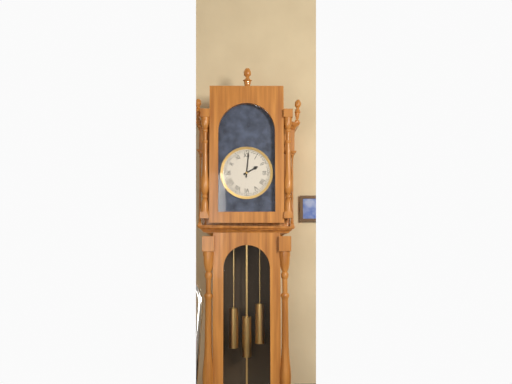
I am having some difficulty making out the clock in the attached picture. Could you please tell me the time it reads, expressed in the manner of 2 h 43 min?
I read 2 h 01 min
